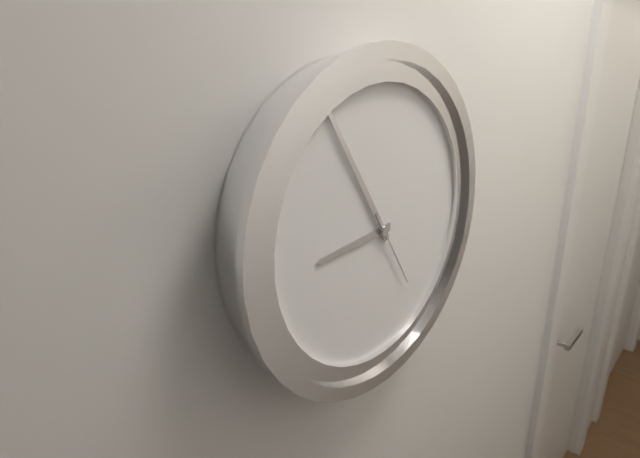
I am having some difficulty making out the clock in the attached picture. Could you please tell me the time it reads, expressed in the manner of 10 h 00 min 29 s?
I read 8 h 55 min 25 s
